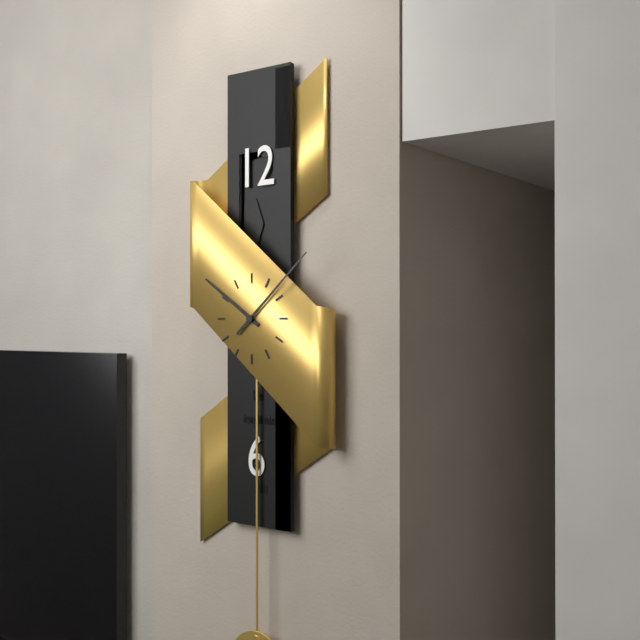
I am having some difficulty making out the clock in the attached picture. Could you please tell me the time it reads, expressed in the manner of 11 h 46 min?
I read 10 h 08 min
